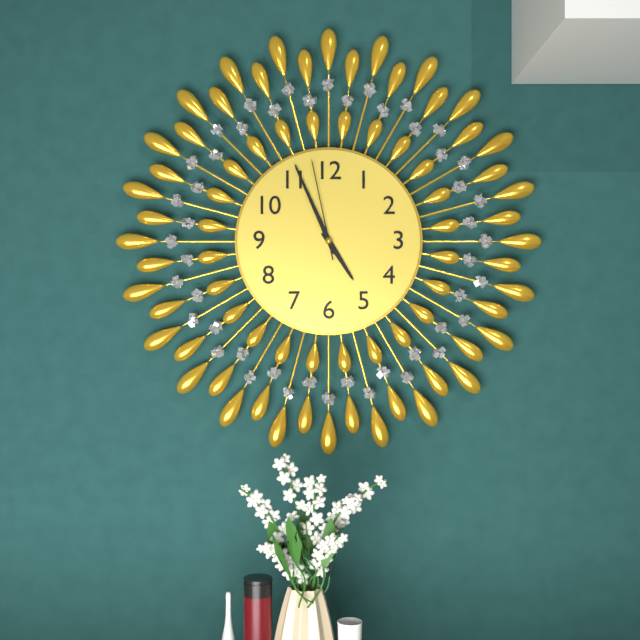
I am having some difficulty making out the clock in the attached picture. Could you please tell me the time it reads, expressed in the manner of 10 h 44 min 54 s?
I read 4 h 56 min 58 s
